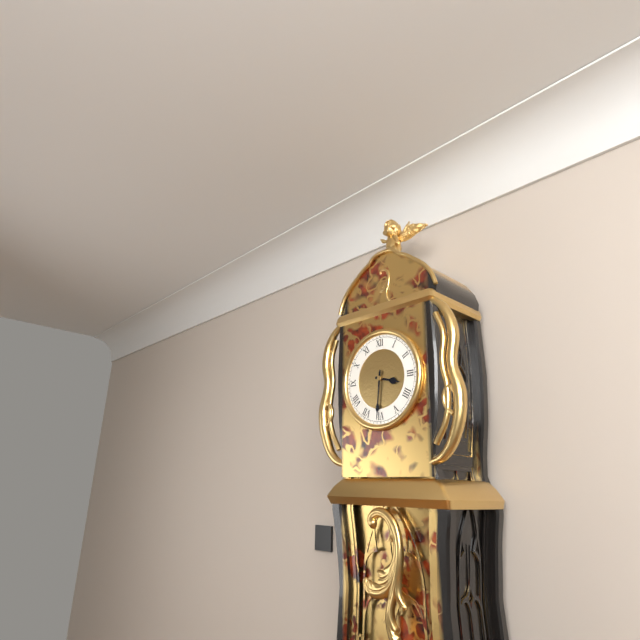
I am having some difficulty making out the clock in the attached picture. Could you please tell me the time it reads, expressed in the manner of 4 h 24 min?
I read 3 h 31 min
